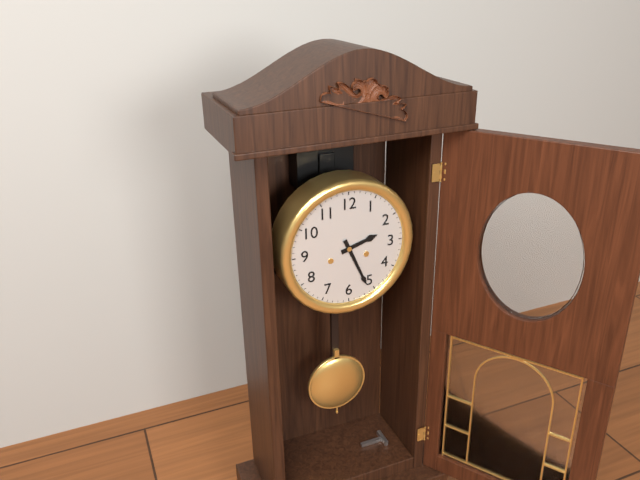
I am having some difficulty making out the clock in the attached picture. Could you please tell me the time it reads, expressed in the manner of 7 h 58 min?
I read 2 h 26 min
